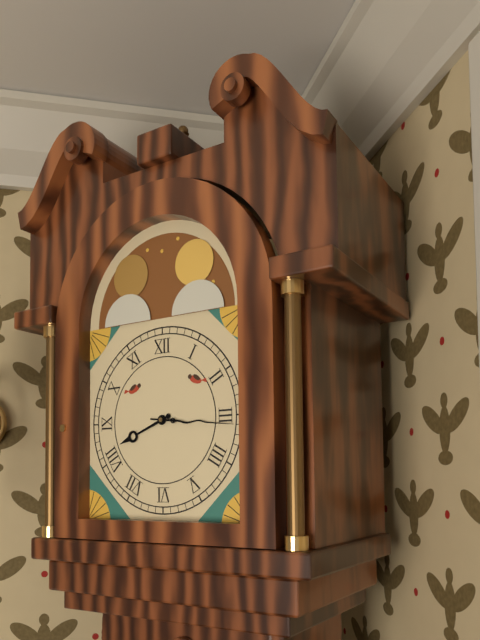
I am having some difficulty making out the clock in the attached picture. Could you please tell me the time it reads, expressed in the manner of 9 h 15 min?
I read 8 h 16 min
